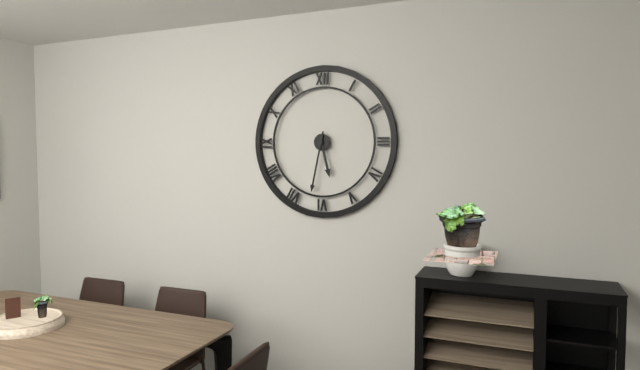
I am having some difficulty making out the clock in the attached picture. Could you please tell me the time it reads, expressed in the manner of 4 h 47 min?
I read 5 h 32 min
